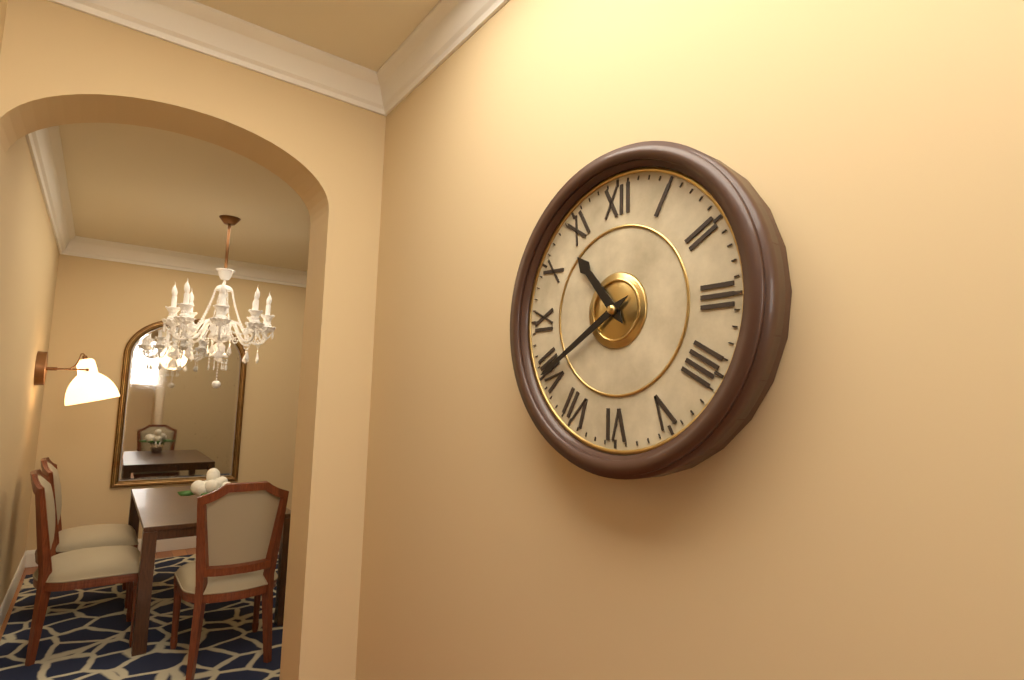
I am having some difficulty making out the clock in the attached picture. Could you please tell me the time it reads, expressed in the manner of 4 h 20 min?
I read 10 h 40 min
